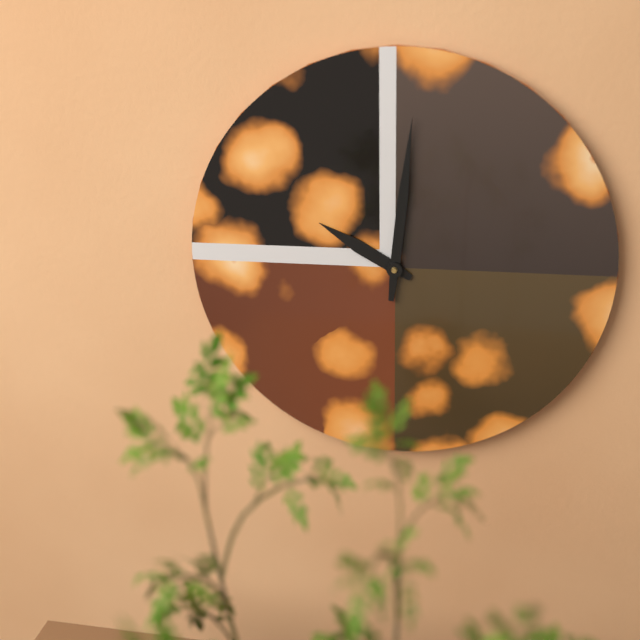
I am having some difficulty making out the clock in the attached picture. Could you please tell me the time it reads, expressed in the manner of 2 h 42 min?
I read 10 h 01 min
